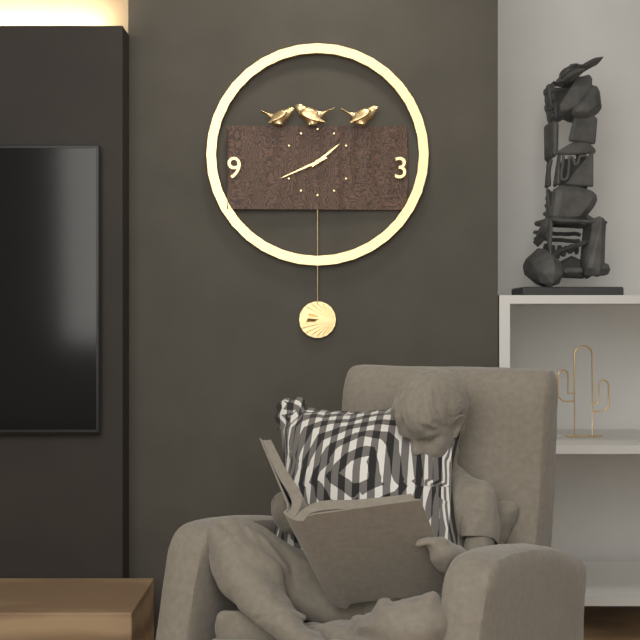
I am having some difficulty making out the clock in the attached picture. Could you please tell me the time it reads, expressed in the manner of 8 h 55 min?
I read 1 h 41 min
